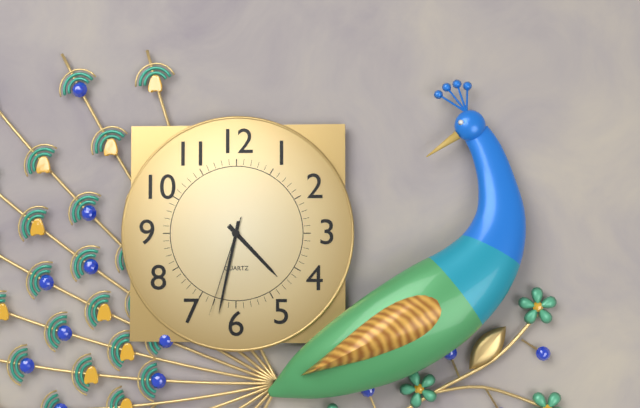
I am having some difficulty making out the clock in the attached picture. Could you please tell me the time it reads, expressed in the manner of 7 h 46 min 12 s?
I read 4 h 32 min 33 s
